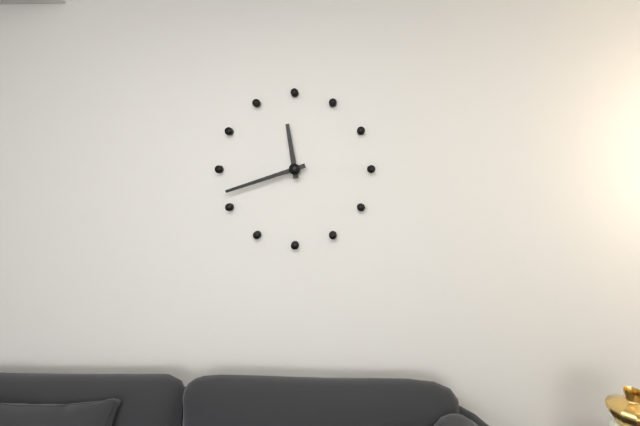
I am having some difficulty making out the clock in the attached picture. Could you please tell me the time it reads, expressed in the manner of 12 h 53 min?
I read 11 h 42 min
